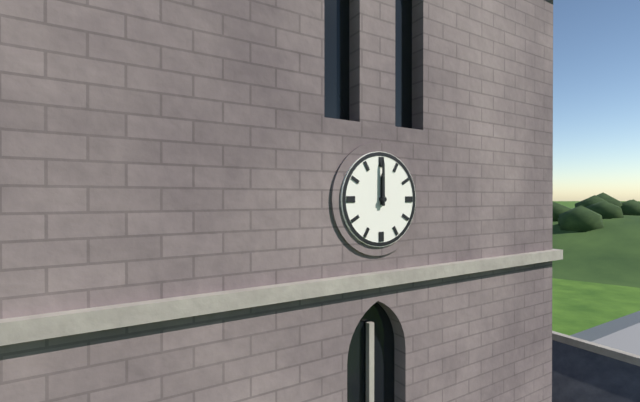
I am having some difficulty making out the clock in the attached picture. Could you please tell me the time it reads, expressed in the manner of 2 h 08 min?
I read 12 h 00 min
